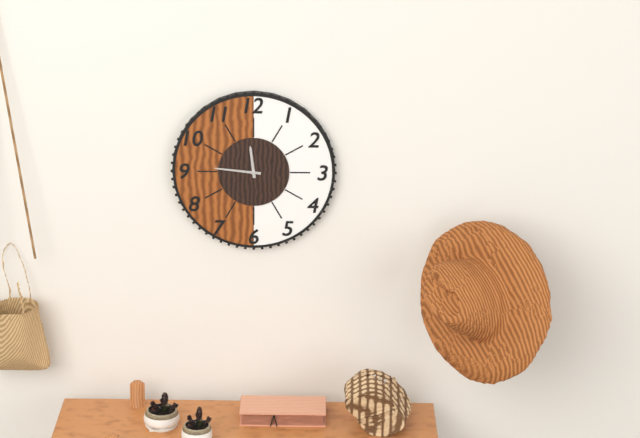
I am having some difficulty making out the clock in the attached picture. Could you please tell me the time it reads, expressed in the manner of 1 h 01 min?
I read 11 h 46 min
